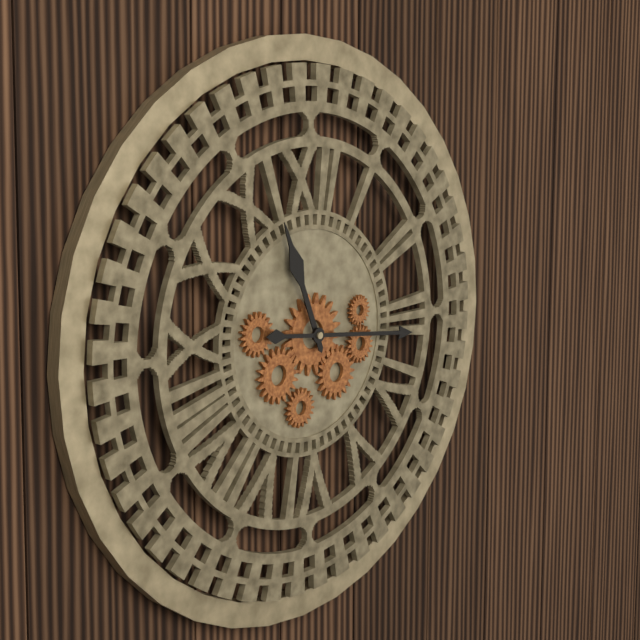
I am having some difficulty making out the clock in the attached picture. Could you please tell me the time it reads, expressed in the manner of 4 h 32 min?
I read 11 h 16 min
